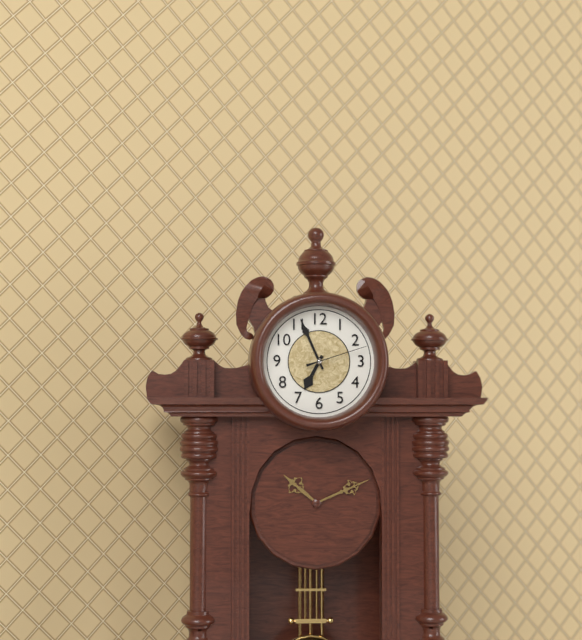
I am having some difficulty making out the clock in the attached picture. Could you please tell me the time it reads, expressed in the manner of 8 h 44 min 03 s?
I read 6 h 56 min 12 s
